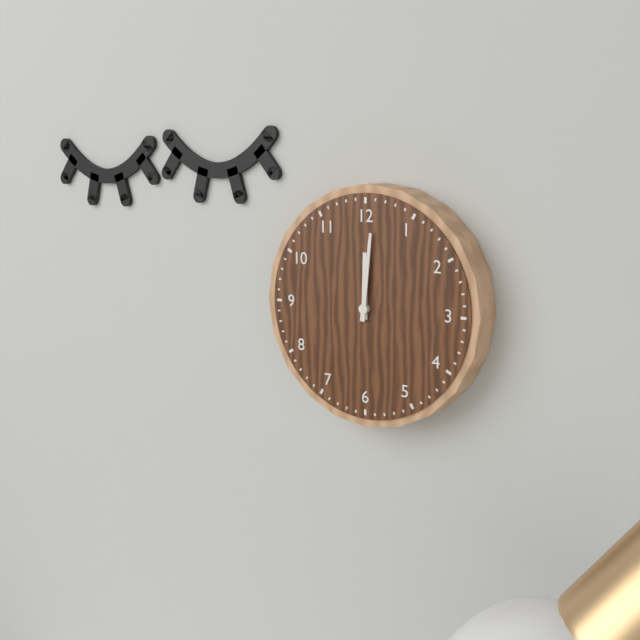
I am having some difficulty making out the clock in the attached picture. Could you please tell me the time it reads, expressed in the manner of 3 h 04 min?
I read 12 h 01 min
